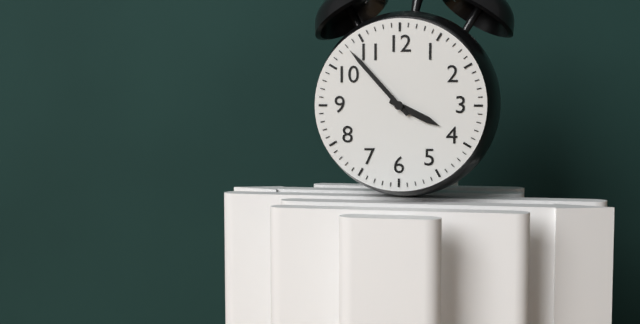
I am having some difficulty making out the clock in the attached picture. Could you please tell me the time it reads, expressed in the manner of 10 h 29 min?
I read 3 h 53 min
